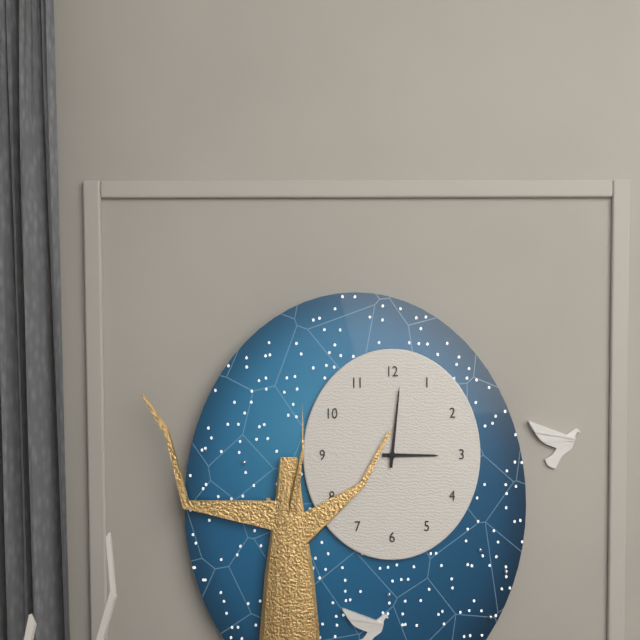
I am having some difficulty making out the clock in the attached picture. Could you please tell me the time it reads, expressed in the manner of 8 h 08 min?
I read 3 h 01 min
